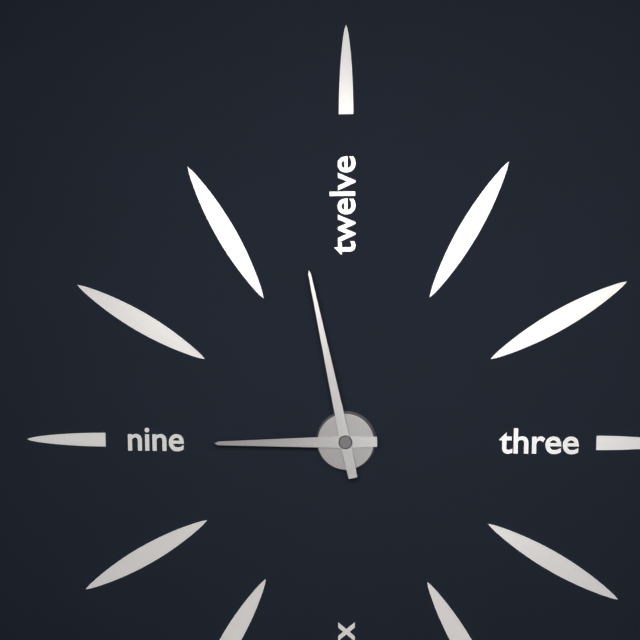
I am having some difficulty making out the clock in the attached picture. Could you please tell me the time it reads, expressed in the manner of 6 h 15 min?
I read 8 h 58 min
